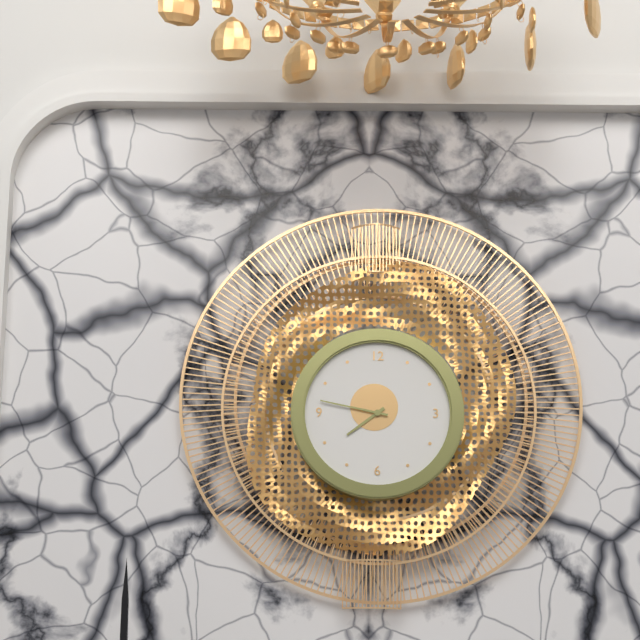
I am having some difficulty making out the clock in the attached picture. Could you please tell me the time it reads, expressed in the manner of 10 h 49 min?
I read 7 h 47 min
